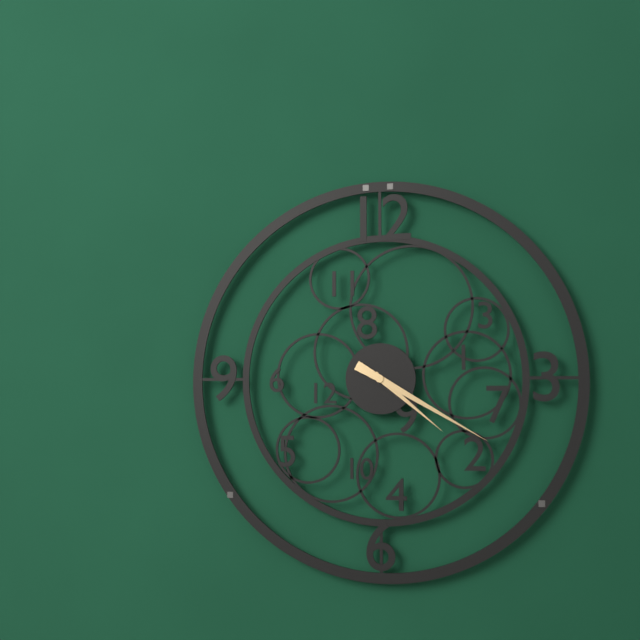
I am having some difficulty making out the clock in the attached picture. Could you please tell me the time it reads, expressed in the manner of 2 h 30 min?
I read 4 h 20 min
